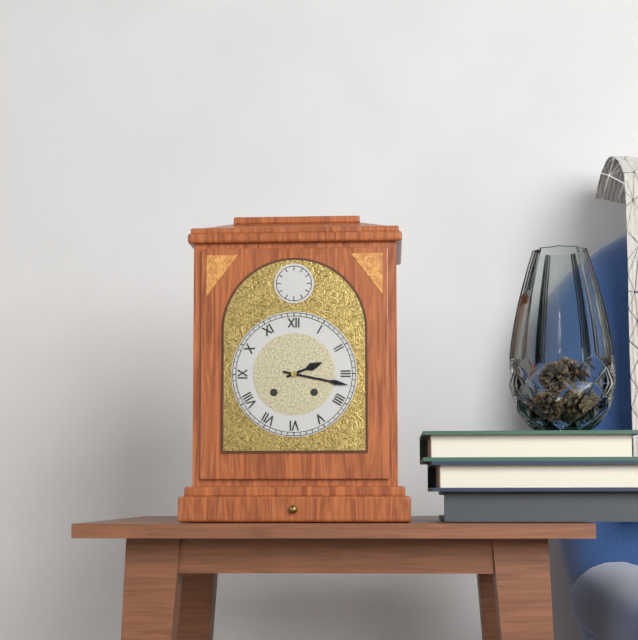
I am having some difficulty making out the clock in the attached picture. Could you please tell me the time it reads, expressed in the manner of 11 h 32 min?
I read 2 h 17 min
